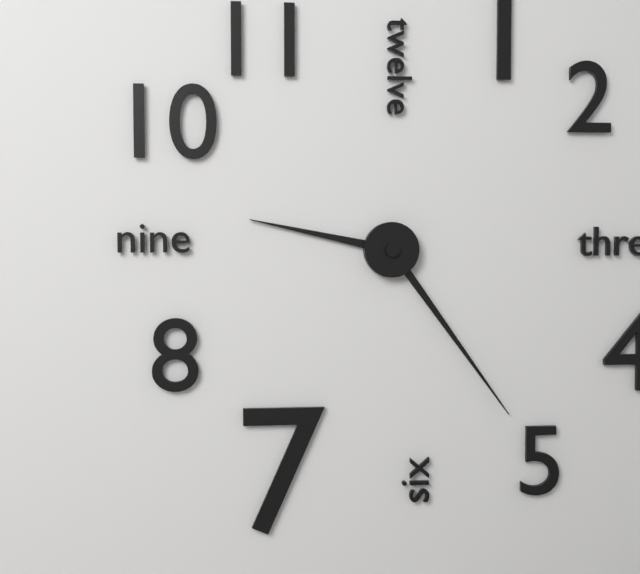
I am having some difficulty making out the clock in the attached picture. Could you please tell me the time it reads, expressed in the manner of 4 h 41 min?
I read 9 h 24 min
